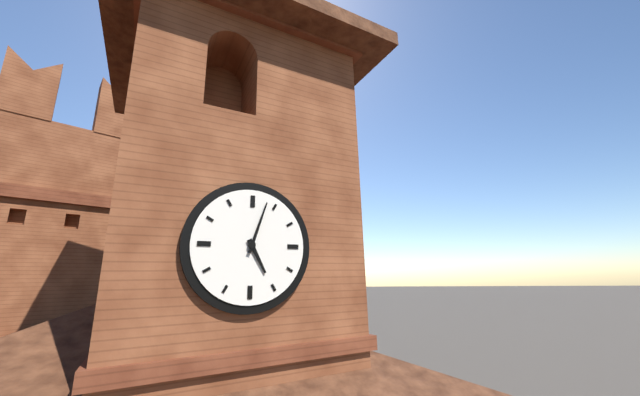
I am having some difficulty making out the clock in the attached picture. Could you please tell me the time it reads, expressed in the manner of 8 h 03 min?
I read 5 h 03 min
